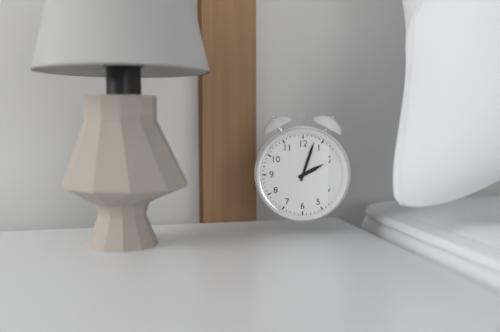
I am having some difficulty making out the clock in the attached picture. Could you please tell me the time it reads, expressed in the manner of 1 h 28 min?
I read 2 h 03 min
